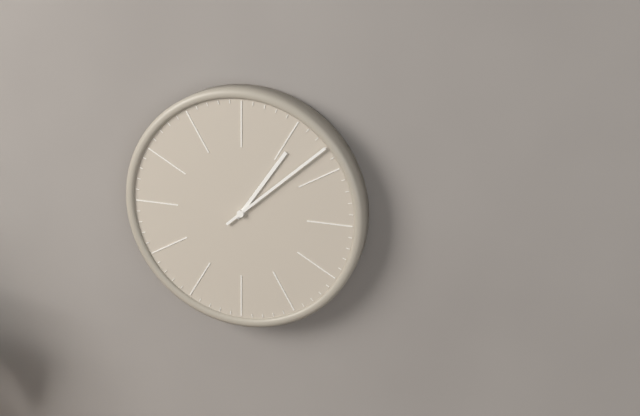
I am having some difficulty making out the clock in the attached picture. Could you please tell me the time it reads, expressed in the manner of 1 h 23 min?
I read 1 h 08 min
